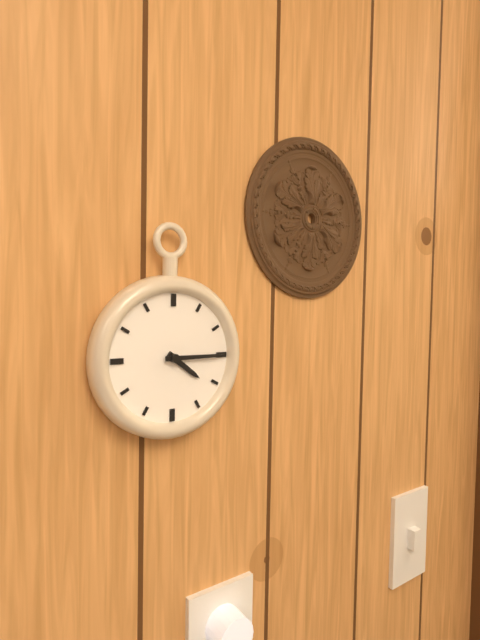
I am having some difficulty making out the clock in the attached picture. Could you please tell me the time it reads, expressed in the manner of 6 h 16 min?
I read 4 h 15 min
